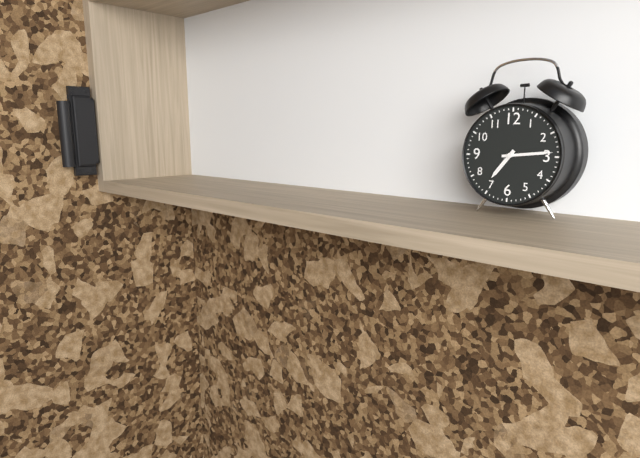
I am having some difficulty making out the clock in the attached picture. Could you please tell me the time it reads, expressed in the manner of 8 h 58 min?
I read 7 h 14 min
